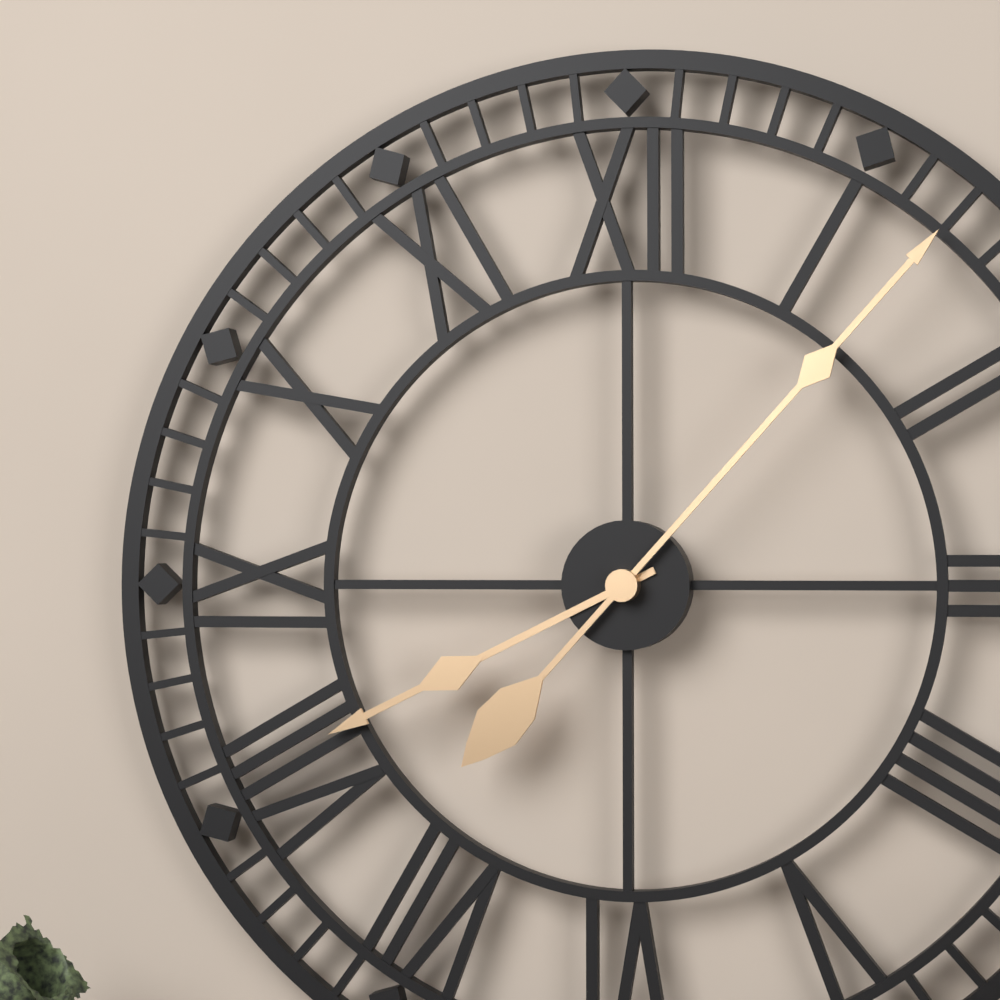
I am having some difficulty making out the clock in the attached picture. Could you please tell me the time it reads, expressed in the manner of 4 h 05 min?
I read 8 h 07 min
